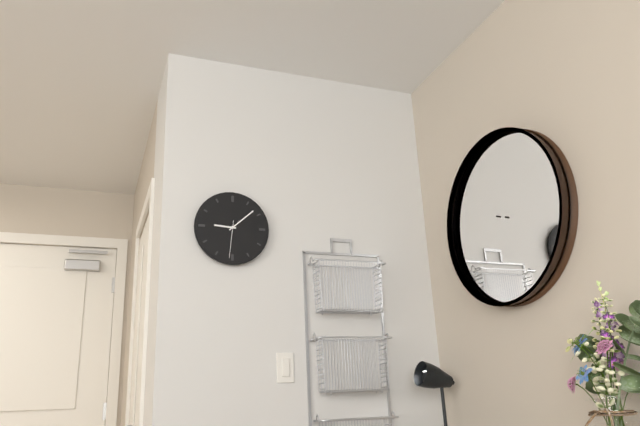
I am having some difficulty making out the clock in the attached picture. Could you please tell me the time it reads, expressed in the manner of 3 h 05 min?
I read 9 h 08 min
